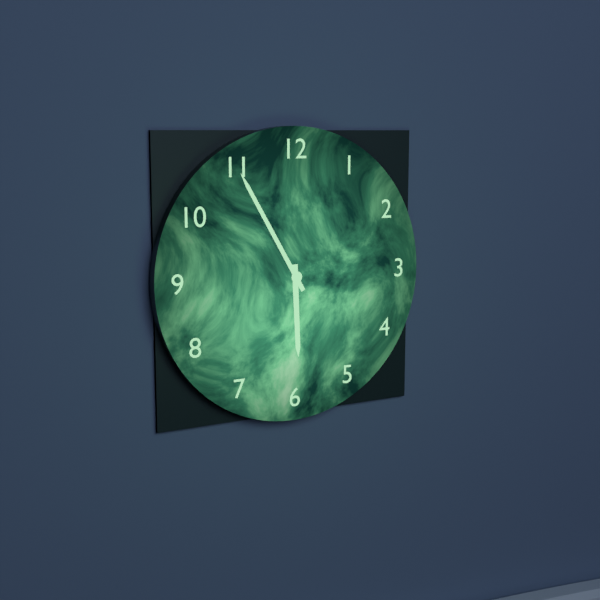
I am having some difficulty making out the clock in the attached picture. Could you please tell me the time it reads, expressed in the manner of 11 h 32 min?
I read 5 h 55 min
